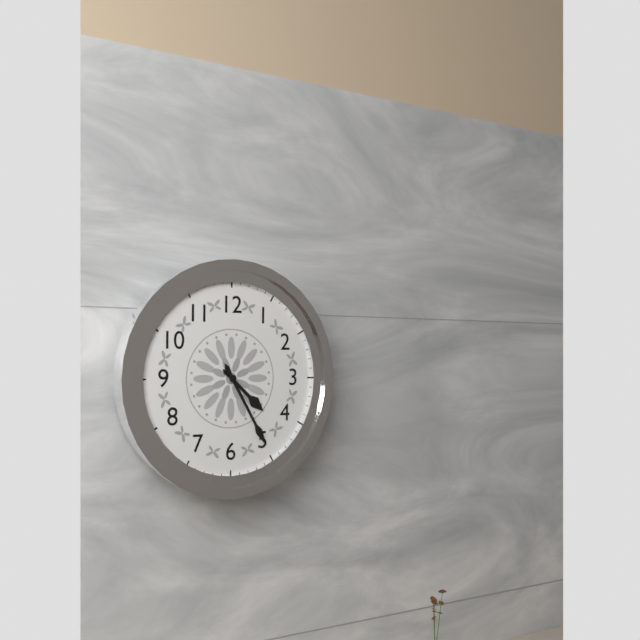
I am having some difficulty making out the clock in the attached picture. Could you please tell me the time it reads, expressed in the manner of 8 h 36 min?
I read 4 h 25 min
